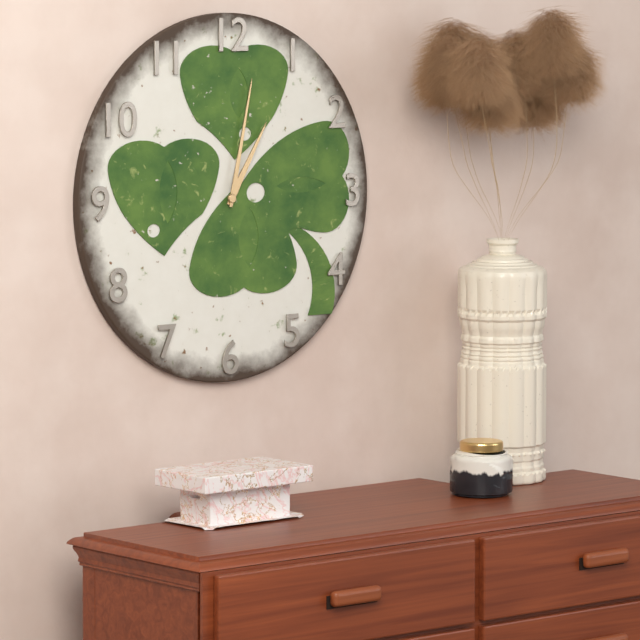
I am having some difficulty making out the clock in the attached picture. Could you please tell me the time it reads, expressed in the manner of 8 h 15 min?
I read 1 h 02 min
